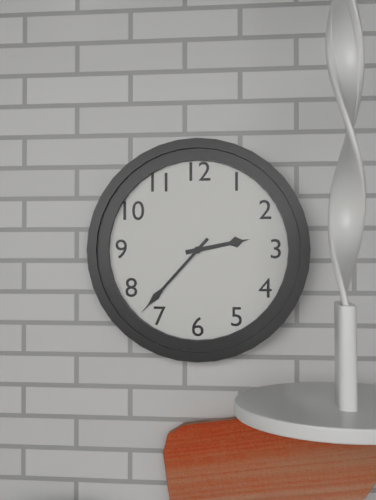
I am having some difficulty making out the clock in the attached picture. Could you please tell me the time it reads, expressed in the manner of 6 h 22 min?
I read 2 h 37 min
